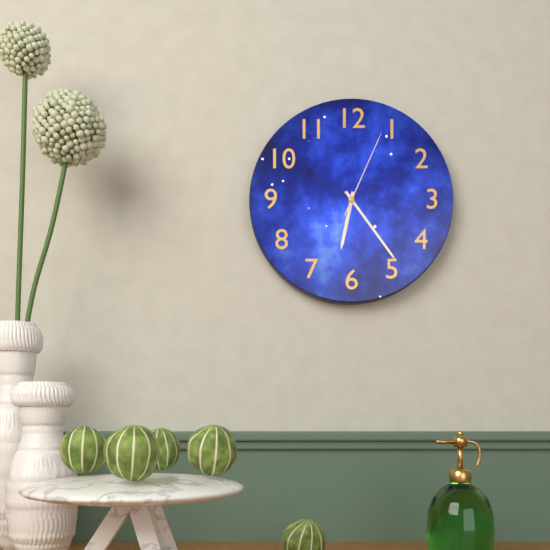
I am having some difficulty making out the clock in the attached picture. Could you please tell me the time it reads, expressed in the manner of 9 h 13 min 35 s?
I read 6 h 24 min 04 s
